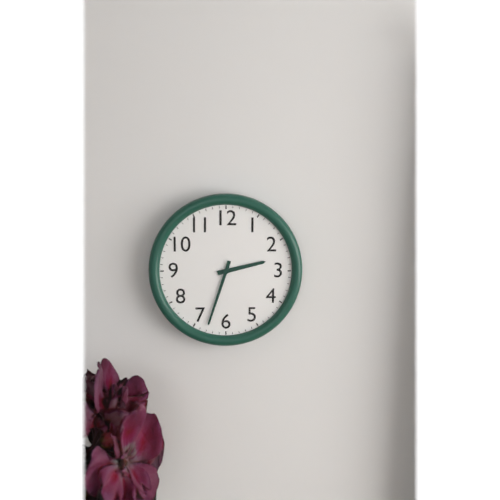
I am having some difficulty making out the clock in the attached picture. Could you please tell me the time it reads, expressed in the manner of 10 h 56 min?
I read 2 h 33 min
